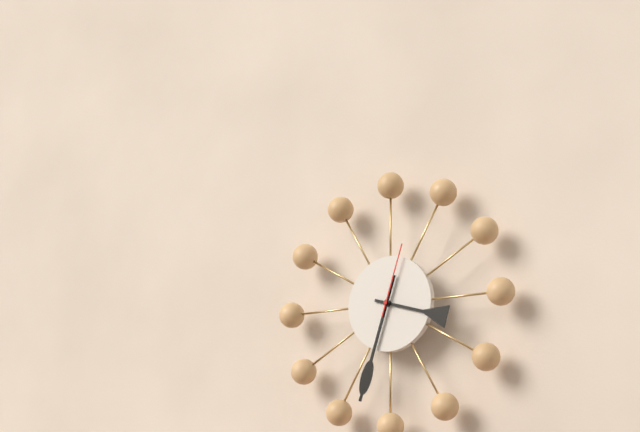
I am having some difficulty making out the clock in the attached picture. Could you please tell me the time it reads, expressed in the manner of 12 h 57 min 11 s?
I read 3 h 33 min 03 s
